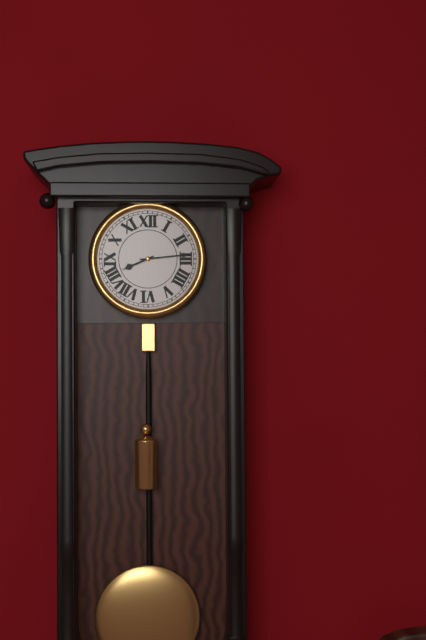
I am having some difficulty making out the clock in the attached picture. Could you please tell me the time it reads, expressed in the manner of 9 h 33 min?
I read 8 h 14 min
